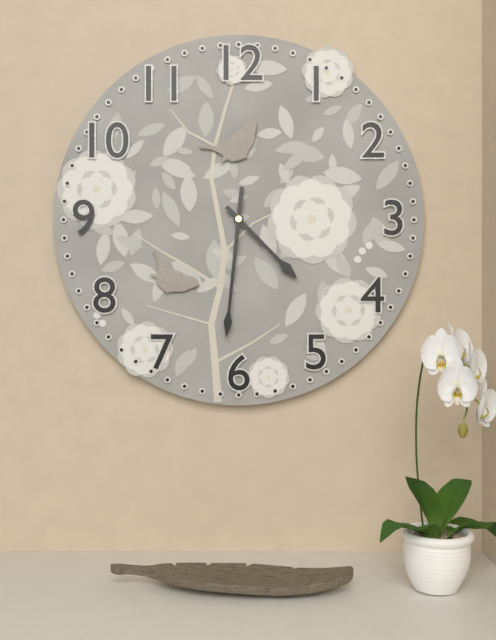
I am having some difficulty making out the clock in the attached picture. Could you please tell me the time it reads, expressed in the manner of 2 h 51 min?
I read 4 h 31 min
